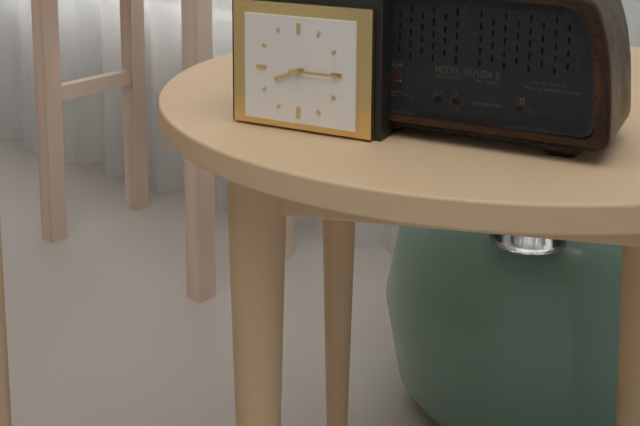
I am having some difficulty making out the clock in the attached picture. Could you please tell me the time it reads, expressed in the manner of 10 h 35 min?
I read 8 h 15 min
